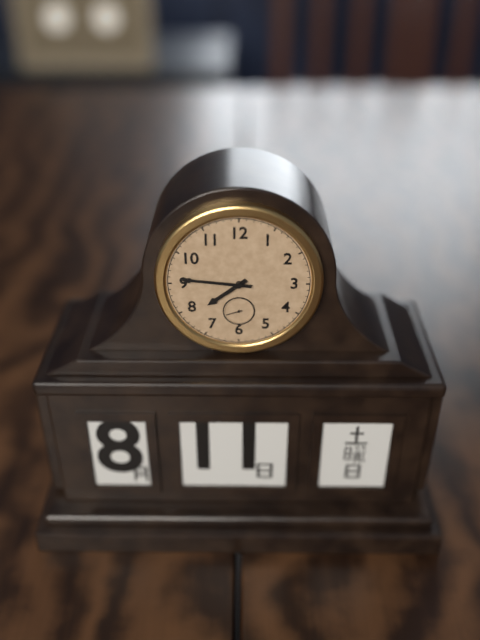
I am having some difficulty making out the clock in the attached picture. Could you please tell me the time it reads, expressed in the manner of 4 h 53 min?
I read 7 h 46 min
